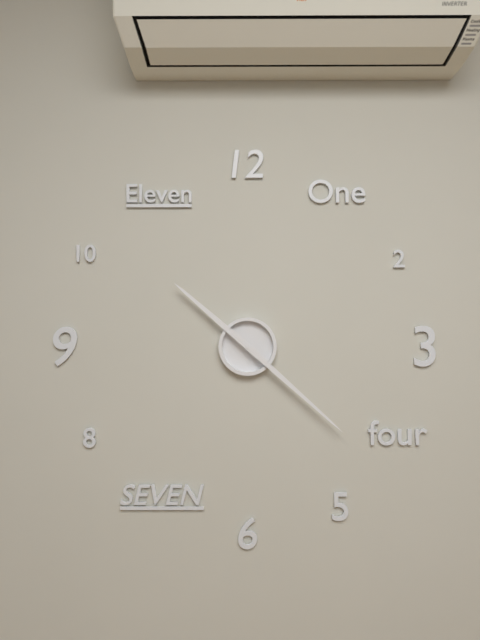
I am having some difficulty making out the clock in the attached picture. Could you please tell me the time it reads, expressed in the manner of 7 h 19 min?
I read 10 h 22 min
